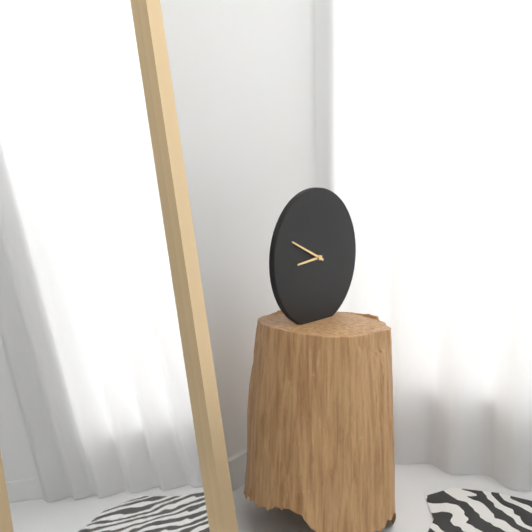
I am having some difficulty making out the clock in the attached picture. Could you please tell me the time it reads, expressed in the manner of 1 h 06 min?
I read 8 h 49 min
